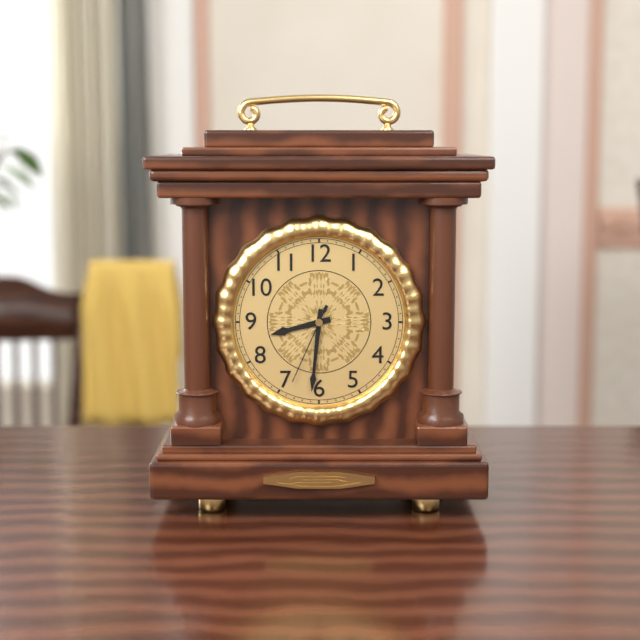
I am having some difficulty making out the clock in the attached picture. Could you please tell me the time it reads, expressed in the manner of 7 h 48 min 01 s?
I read 8 h 31 min 34 s
